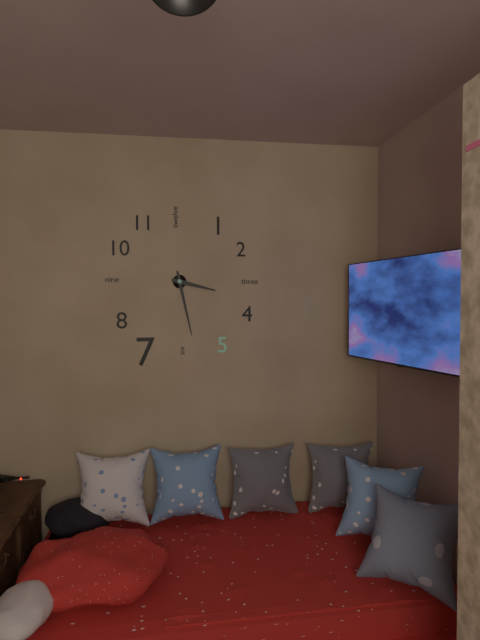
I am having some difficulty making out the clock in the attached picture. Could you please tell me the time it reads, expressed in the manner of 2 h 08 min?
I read 3 h 28 min
